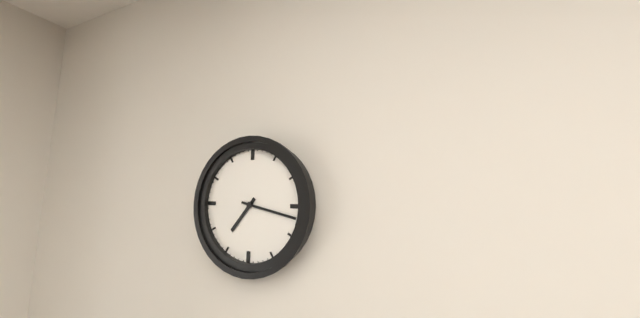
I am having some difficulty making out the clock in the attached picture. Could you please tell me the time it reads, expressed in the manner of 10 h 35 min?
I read 7 h 17 min
